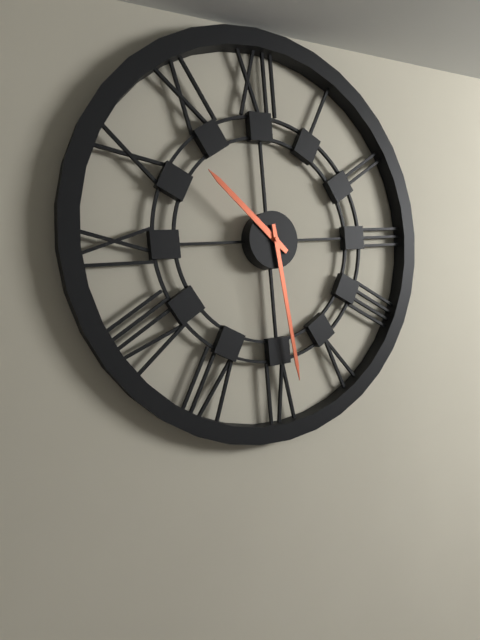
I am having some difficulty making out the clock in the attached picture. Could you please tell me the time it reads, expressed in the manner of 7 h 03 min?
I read 10 h 29 min
